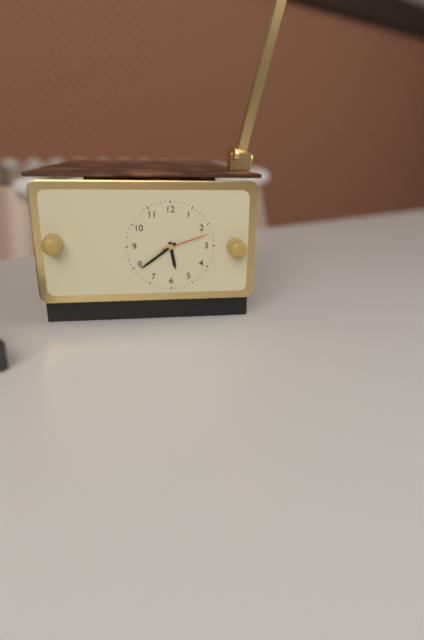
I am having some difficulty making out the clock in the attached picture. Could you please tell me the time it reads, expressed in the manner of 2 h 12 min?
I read 5 h 39 min
